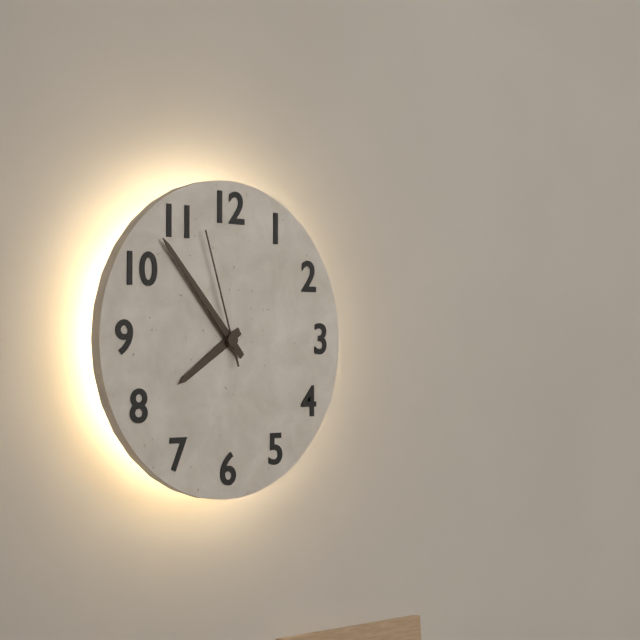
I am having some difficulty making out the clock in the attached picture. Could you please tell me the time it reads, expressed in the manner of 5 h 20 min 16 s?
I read 7 h 53 min 57 s
